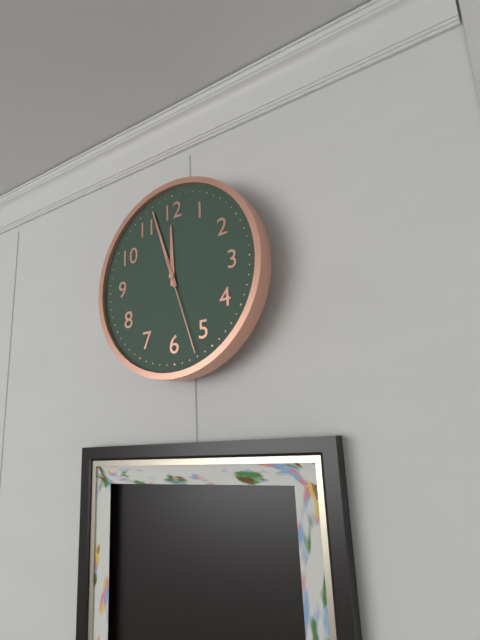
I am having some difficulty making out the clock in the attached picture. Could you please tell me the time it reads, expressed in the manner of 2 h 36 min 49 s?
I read 11 h 57 min 27 s
